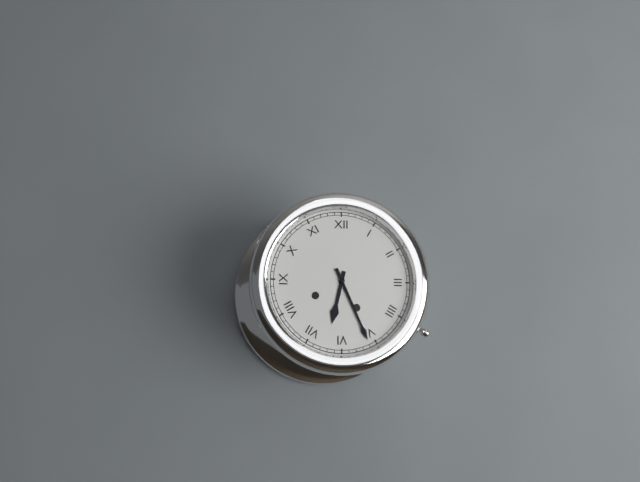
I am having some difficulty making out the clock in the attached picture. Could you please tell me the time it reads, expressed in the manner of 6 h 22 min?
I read 6 h 26 min
